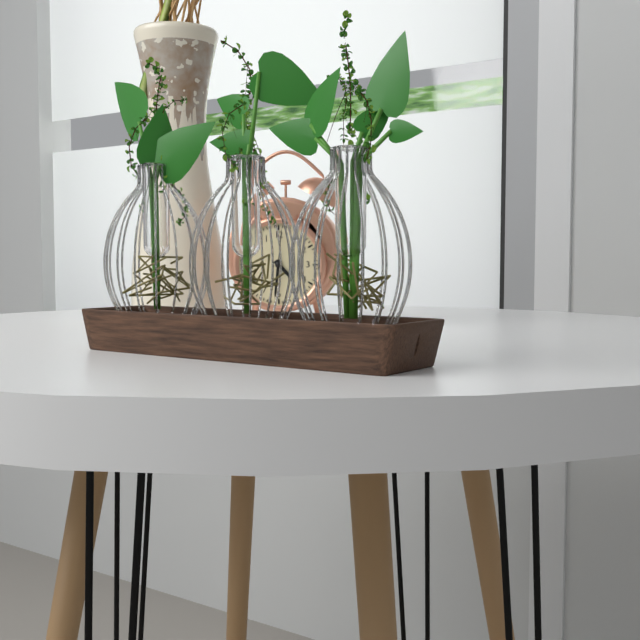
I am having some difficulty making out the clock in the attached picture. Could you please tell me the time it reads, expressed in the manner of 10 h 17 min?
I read 4 h 31 min
